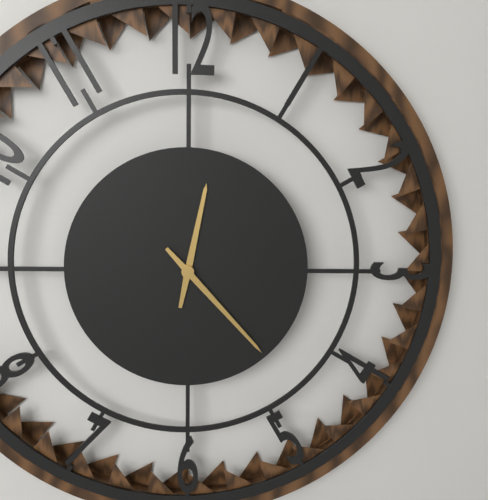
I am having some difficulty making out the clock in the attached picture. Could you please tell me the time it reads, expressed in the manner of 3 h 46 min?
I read 12 h 23 min
